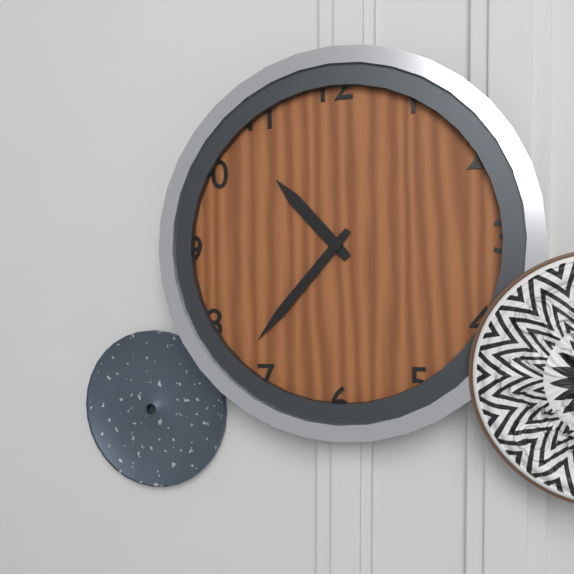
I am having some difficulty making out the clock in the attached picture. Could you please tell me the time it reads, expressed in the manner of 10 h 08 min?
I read 10 h 37 min
